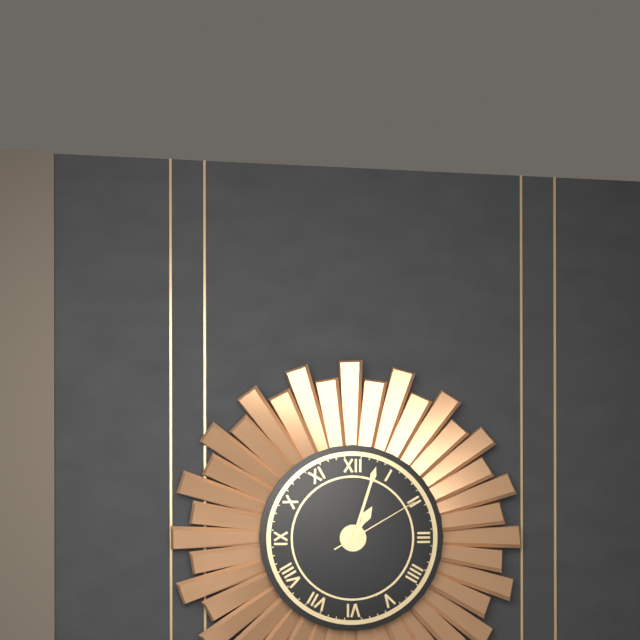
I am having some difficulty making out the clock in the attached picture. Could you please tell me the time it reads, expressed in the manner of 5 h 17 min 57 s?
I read 1 h 03 min 10 s
